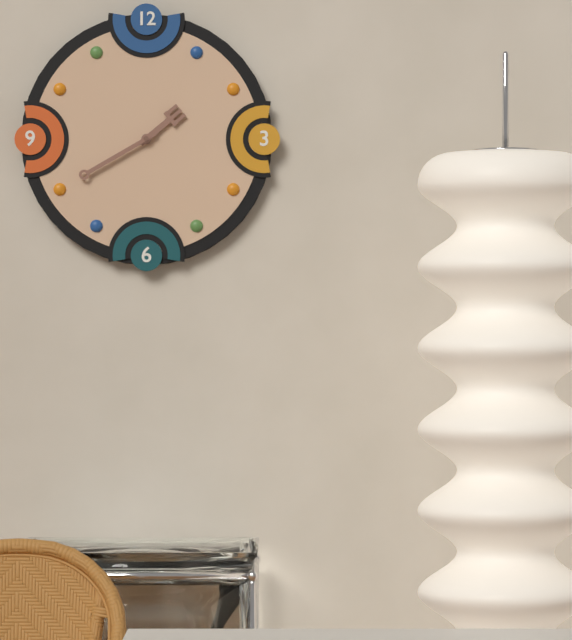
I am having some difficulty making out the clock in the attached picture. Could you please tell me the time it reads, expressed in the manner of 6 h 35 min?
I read 1 h 40 min
